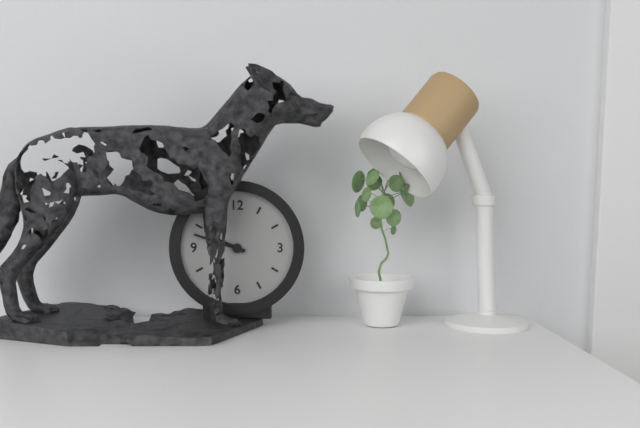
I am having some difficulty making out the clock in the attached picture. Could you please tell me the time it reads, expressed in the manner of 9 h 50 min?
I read 9 h 48 min
